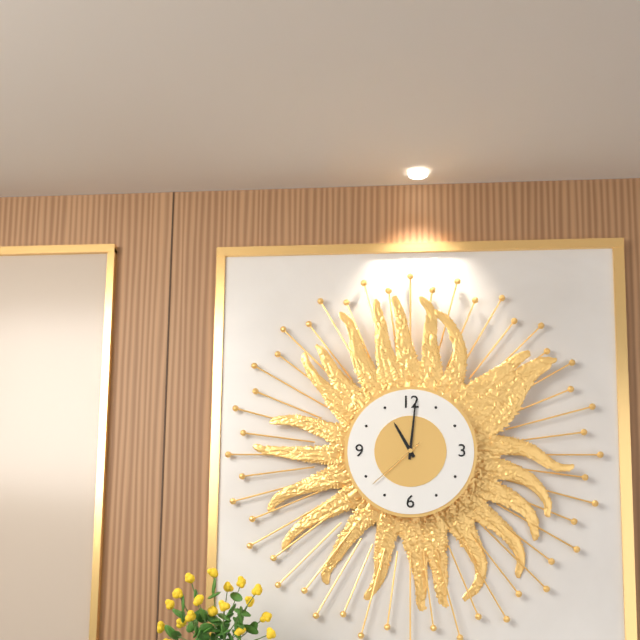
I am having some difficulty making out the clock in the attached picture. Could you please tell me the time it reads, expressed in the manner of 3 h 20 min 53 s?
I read 11 h 01 min 38 s
